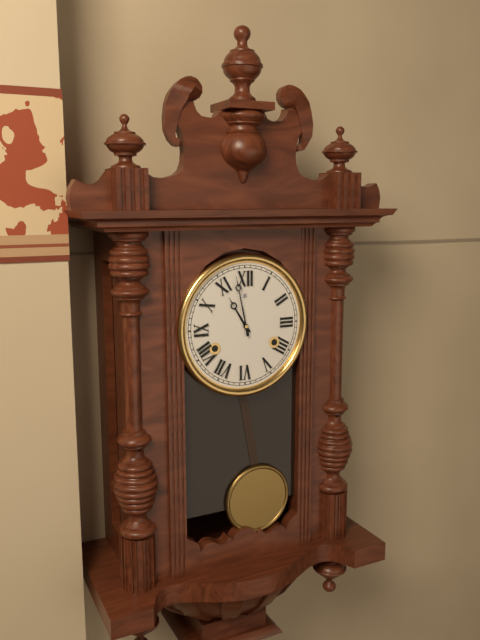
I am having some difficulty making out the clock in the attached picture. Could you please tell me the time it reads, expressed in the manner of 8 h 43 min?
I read 10 h 58 min
